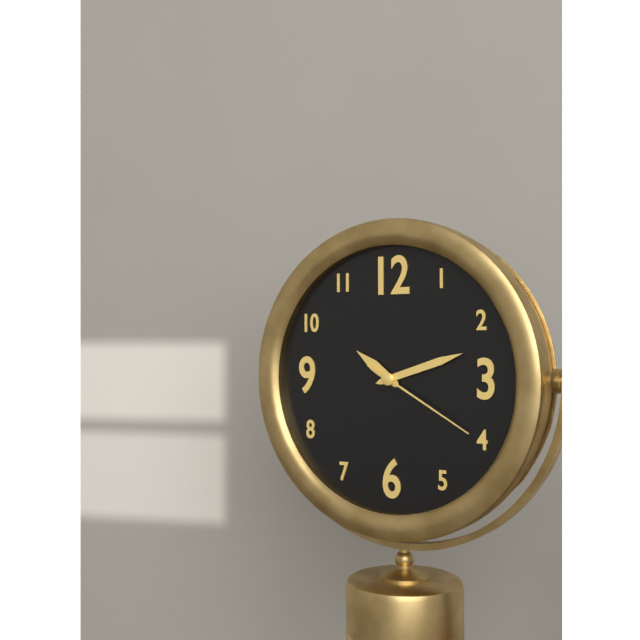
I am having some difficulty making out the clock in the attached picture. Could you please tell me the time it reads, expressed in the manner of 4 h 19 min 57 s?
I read 10 h 12 min 20 s
